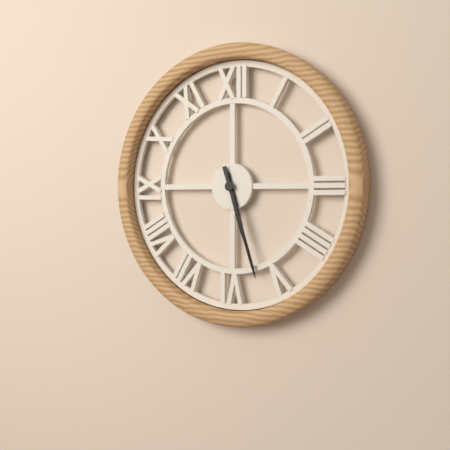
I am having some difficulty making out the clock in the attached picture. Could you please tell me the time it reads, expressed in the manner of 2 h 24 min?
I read 5 h 27 min
